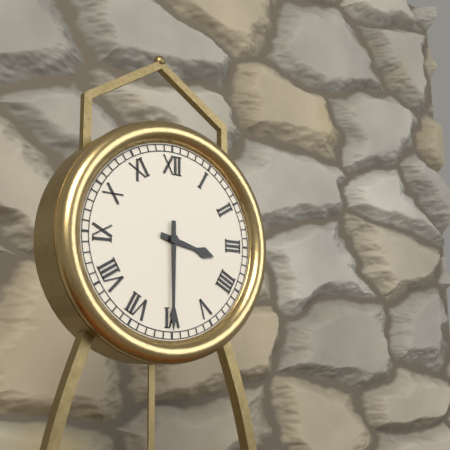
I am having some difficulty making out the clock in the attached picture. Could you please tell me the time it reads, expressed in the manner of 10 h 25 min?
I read 3 h 30 min
